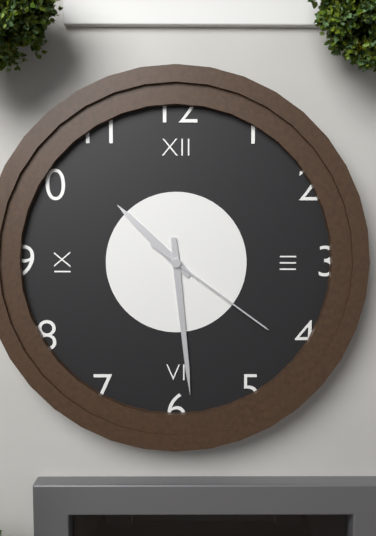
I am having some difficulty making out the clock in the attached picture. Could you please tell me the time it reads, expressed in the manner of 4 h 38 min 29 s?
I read 10 h 29 min 21 s
